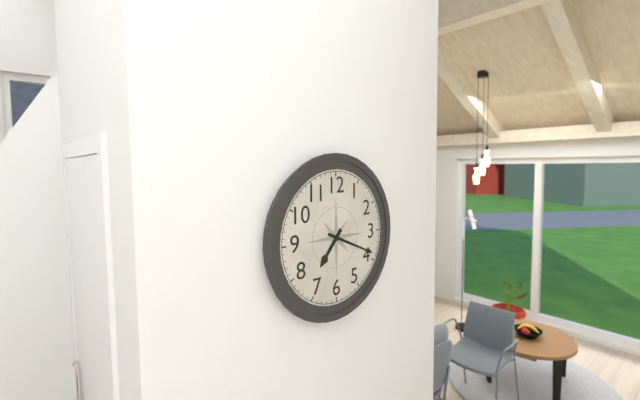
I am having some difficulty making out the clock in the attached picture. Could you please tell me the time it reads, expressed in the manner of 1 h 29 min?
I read 7 h 19 min
